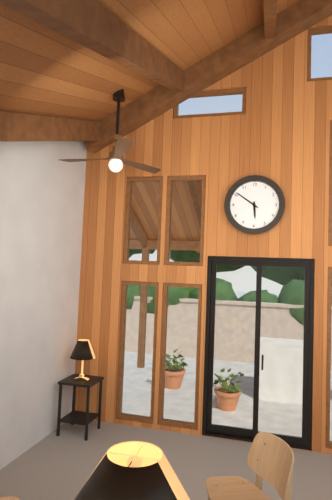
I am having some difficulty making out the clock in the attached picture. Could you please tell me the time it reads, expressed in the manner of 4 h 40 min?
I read 5 h 51 min
